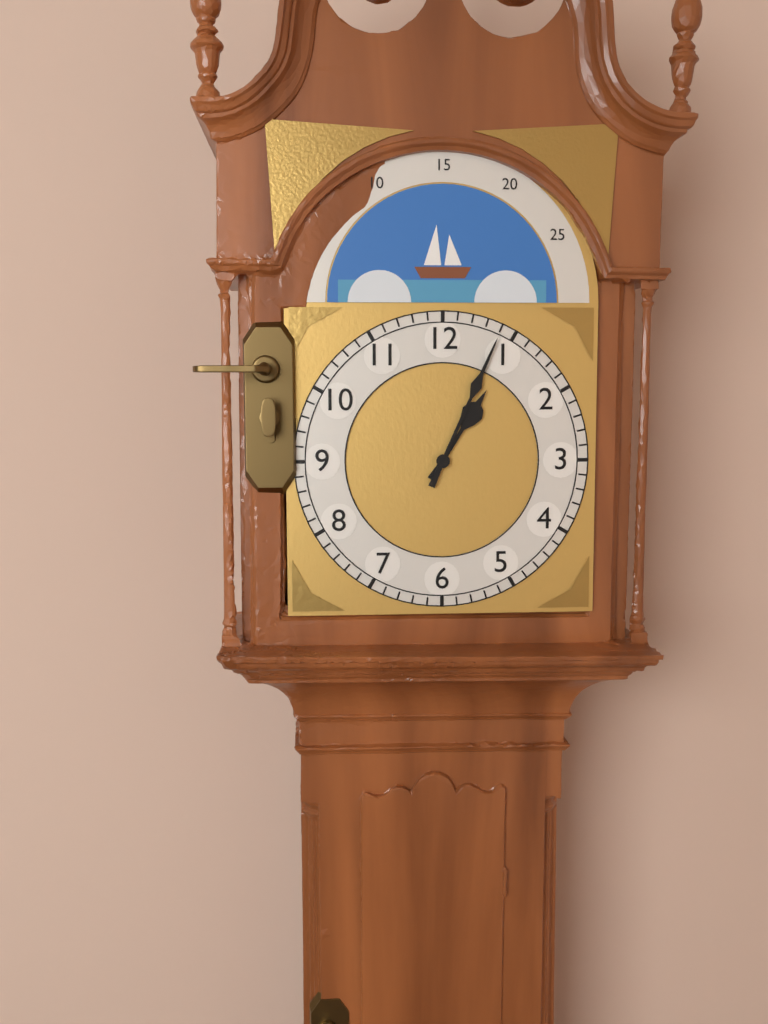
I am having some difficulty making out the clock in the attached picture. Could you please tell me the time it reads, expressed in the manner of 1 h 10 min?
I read 1 h 04 min
